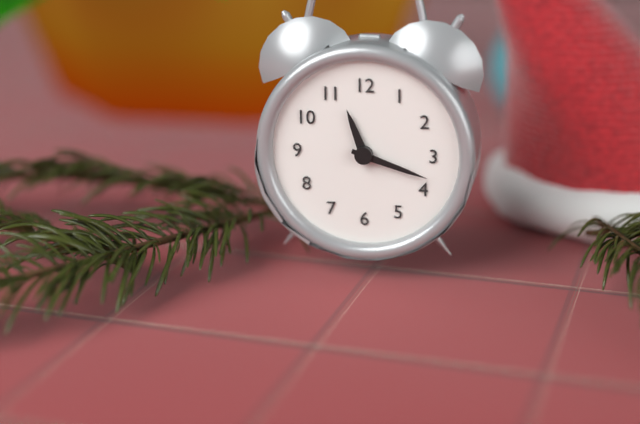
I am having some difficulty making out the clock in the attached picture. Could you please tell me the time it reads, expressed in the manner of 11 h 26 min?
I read 11 h 18 min
